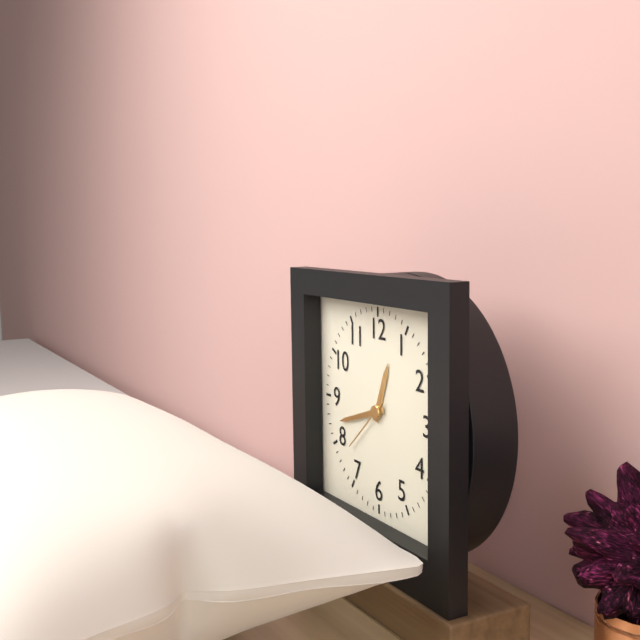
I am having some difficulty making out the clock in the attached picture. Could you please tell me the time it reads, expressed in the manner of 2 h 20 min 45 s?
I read 12 h 42 min 38 s
